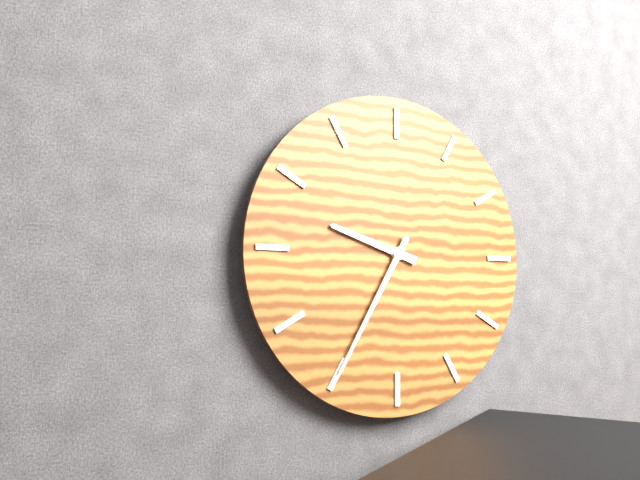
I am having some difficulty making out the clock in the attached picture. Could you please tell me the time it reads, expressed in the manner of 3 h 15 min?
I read 9 h 35 min
